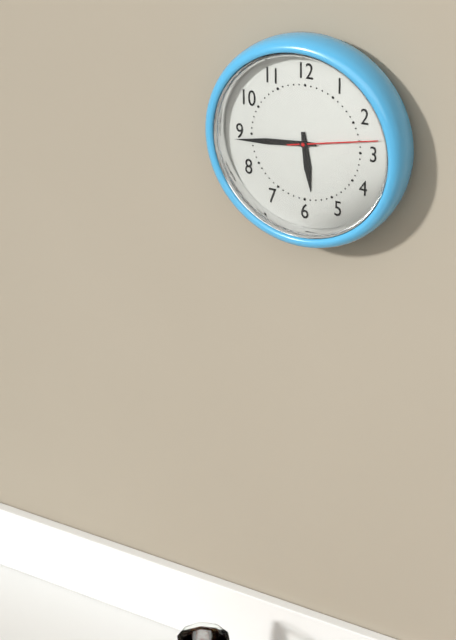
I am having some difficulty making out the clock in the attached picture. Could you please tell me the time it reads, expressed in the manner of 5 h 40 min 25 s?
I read 5 h 44 min 13 s
